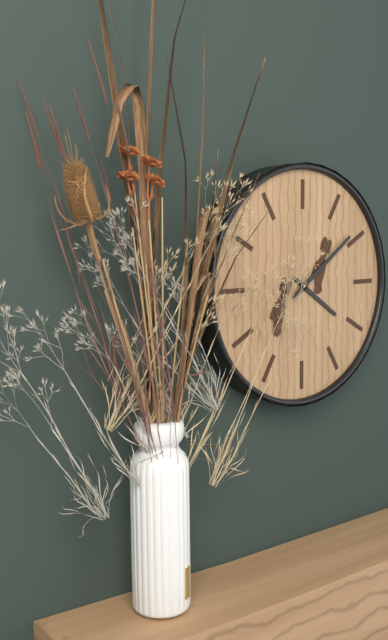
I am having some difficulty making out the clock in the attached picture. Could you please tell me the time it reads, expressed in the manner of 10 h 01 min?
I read 4 h 09 min
